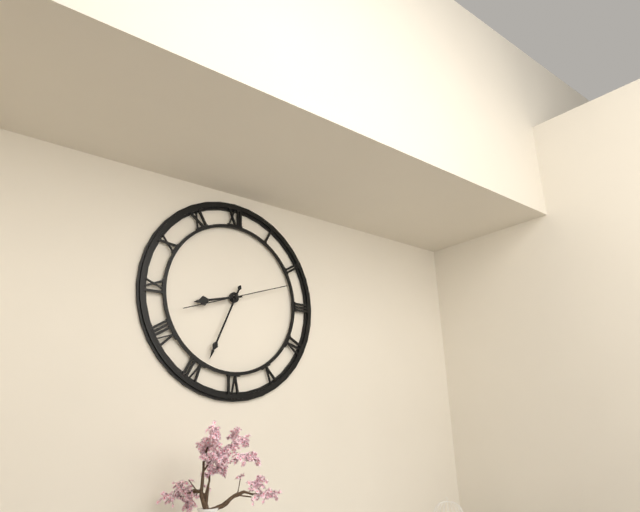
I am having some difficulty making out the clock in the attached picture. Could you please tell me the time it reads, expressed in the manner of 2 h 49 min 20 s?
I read 8 h 34 min 12 s
